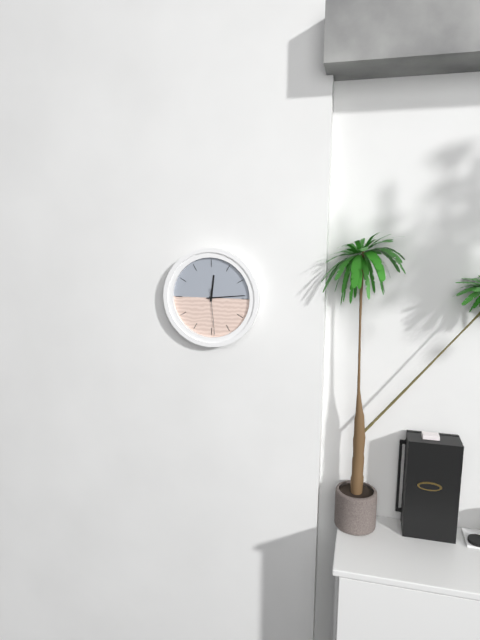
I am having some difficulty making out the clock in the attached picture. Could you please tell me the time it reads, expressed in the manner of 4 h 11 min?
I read 12 h 14 min
